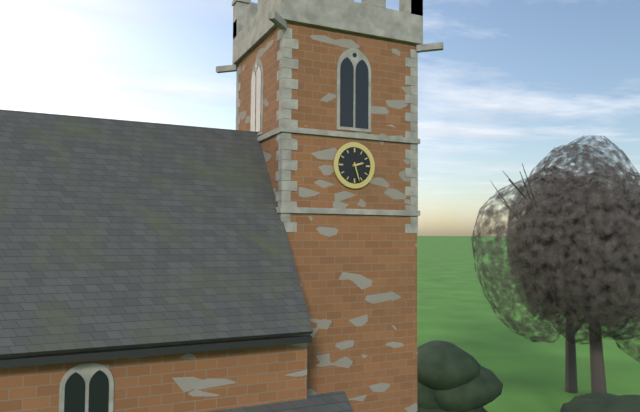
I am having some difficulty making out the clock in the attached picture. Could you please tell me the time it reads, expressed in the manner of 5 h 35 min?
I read 2 h 27 min
